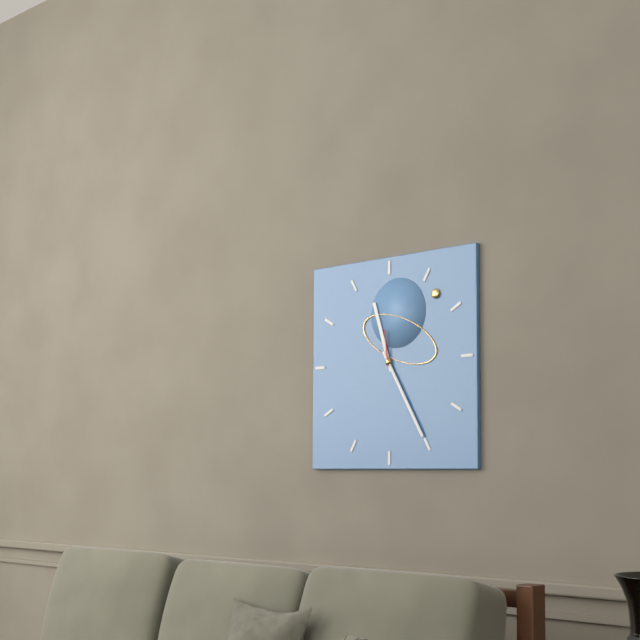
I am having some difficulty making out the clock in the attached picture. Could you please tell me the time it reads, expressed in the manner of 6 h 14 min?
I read 11 h 25 min
